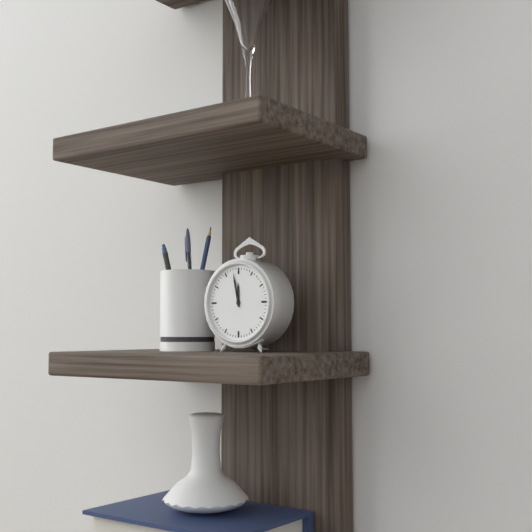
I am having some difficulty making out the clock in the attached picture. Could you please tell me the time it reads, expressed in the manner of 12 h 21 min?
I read 11 h 58 min
